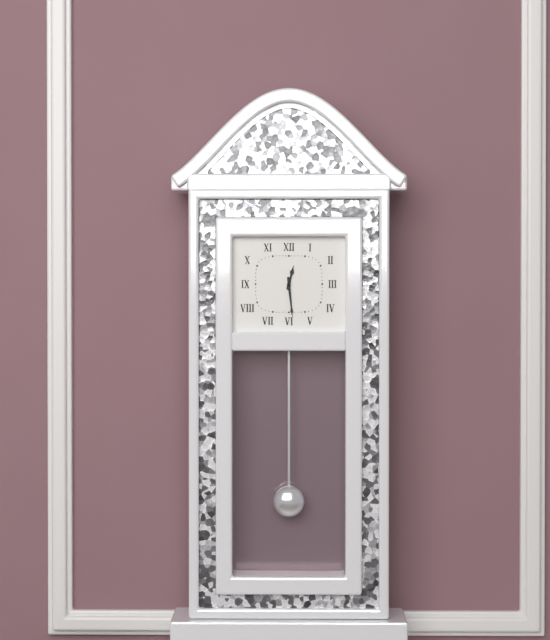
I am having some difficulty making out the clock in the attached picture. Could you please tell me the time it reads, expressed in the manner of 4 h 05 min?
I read 12 h 29 min
